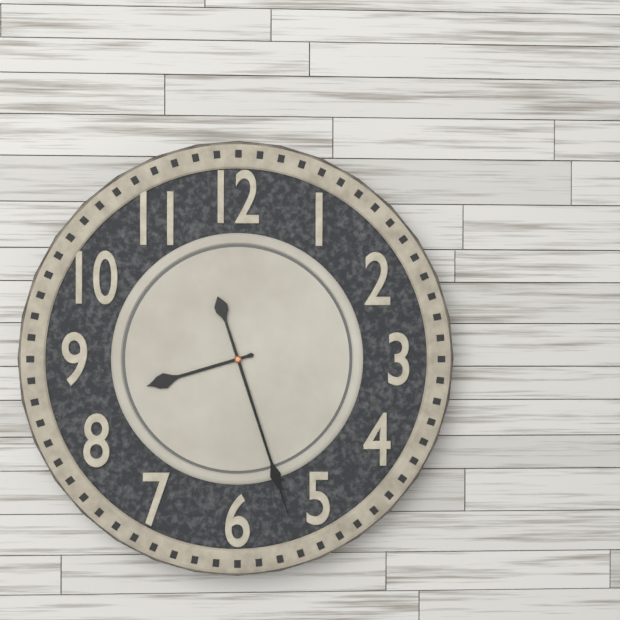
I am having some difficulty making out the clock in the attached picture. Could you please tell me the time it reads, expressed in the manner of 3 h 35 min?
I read 8 h 27 min
